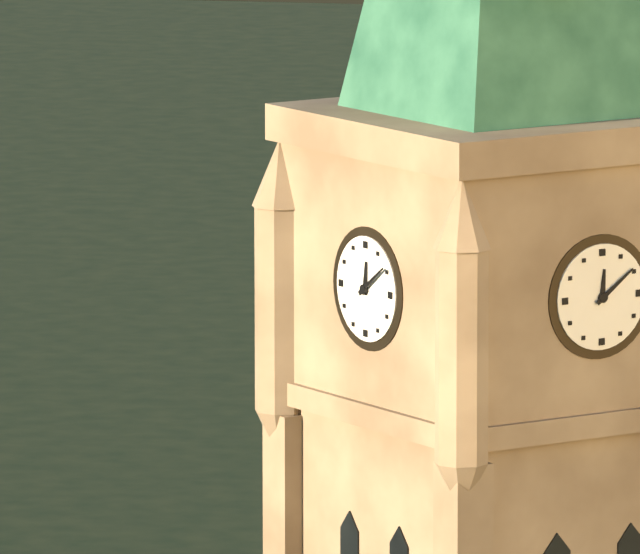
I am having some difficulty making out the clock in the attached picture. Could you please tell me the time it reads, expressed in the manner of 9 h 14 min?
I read 12 h 09 min
